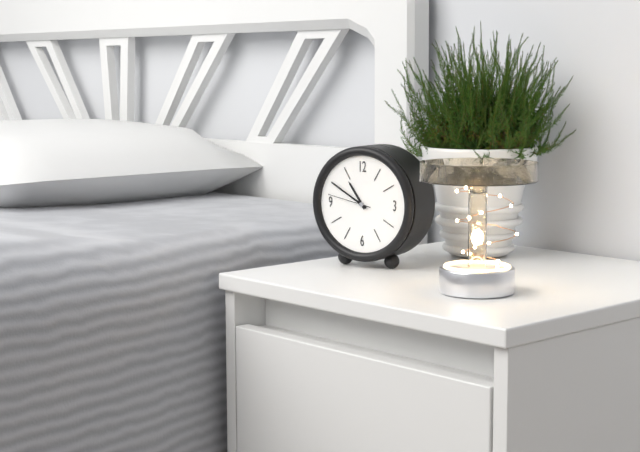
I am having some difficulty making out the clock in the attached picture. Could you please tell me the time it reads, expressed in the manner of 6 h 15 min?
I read 10 h 50 min
